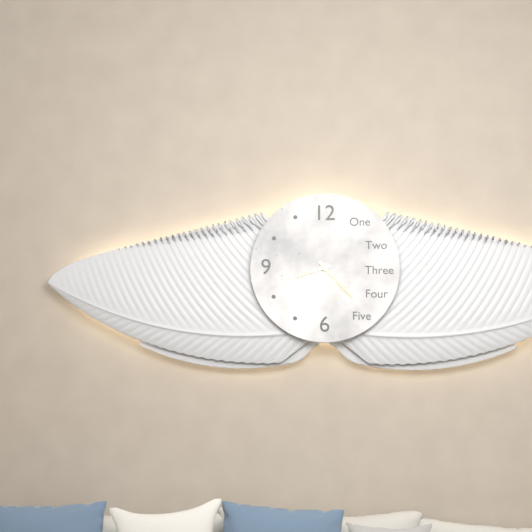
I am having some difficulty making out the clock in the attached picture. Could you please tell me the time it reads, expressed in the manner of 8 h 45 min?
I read 8 h 23 min
